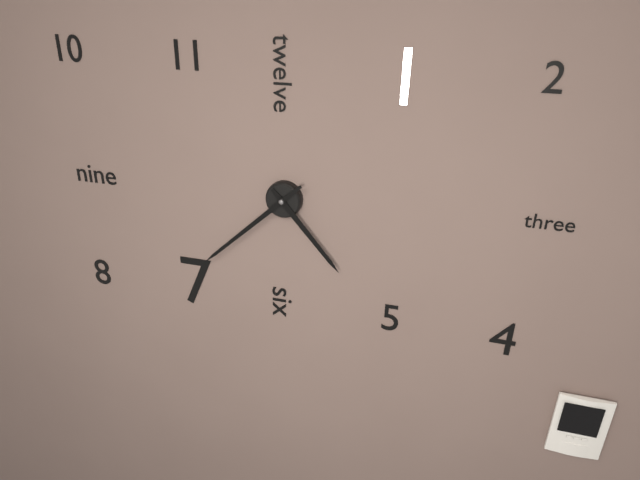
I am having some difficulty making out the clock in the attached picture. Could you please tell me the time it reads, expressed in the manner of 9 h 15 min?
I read 4 h 38 min
